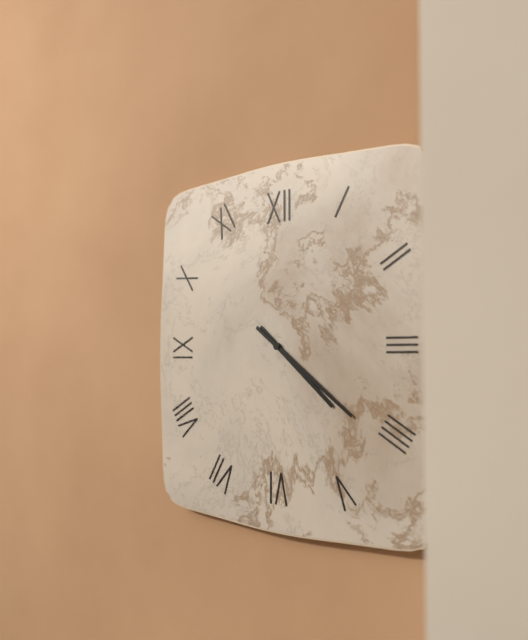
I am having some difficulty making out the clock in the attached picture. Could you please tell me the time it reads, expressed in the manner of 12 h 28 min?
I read 4 h 21 min
